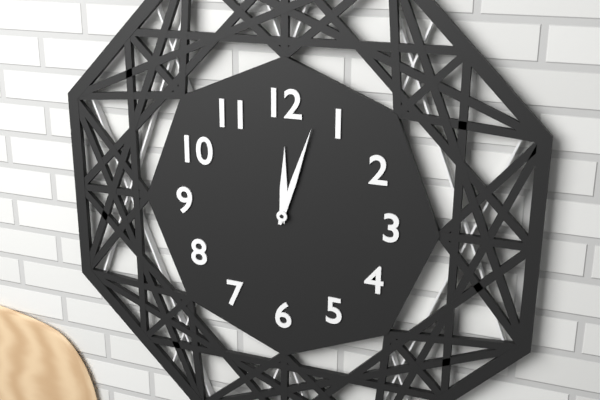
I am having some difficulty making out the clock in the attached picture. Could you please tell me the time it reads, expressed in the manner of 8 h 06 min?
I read 12 h 03 min
